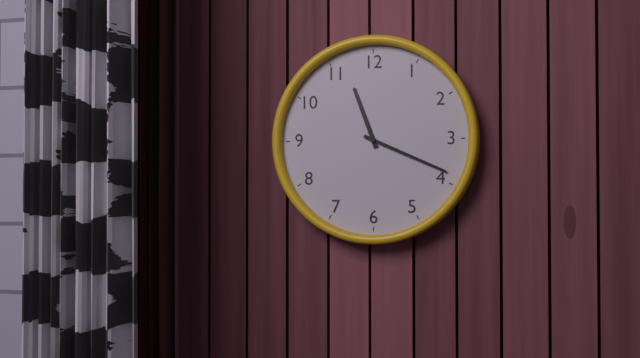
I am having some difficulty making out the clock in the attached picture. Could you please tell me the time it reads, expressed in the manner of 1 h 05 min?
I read 11 h 19 min
